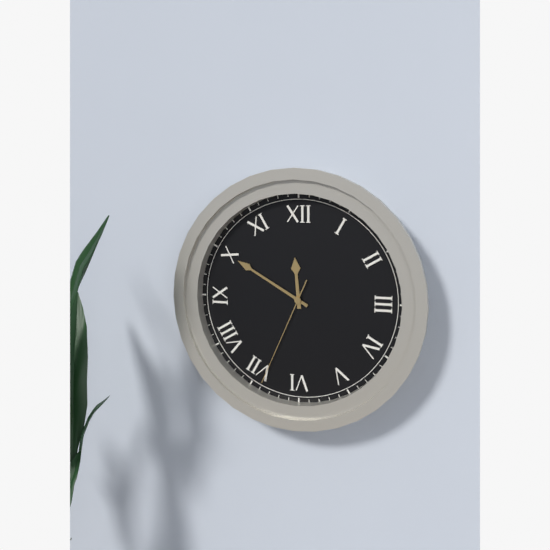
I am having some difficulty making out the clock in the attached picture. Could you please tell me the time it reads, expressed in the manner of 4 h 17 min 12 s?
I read 11 h 50 min 34 s
